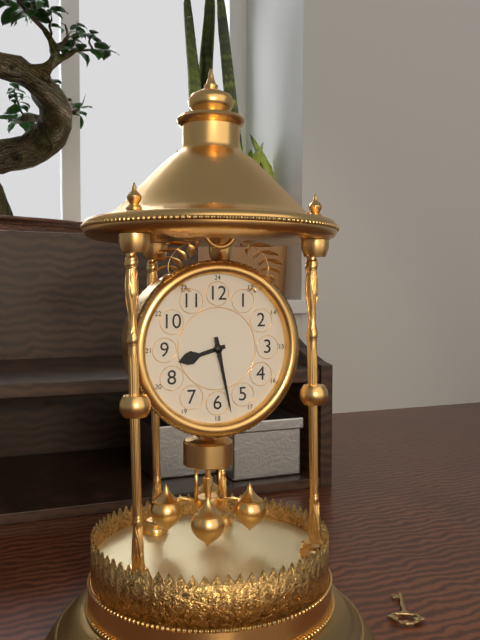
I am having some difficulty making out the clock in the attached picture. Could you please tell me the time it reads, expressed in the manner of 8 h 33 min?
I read 8 h 28 min
